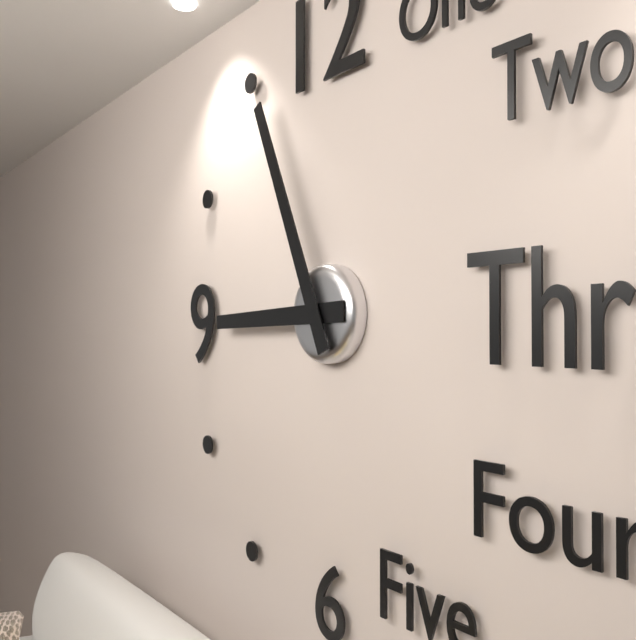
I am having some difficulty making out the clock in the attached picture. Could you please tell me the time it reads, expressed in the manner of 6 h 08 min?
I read 8 h 56 min
